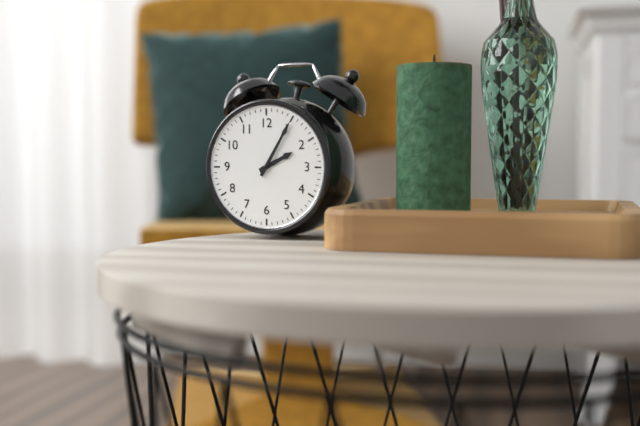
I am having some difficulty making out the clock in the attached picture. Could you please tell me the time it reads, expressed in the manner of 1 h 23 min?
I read 2 h 05 min
